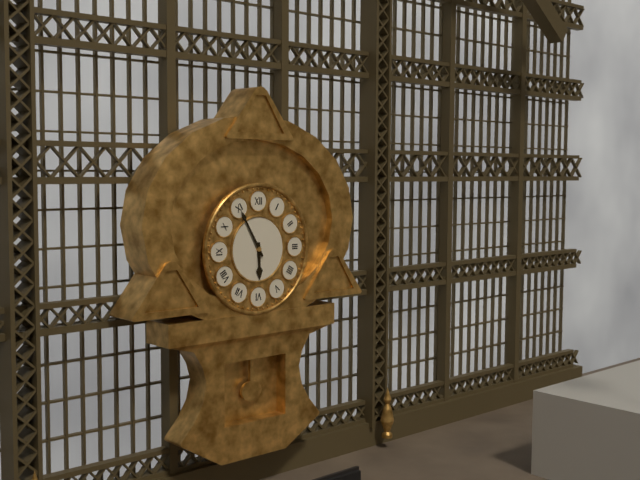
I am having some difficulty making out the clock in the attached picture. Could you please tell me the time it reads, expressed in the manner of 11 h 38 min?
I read 5 h 55 min
